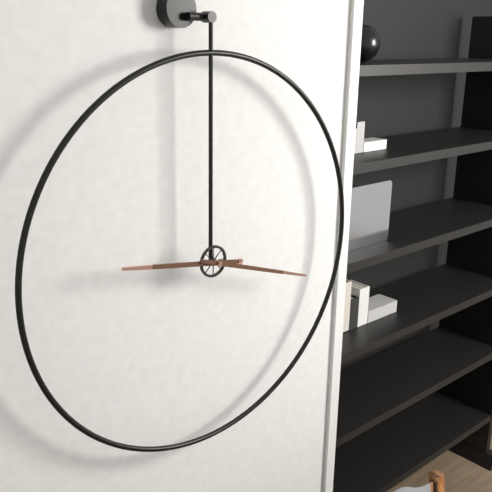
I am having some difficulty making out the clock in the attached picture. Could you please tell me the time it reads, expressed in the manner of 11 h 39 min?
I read 9 h 18 min
